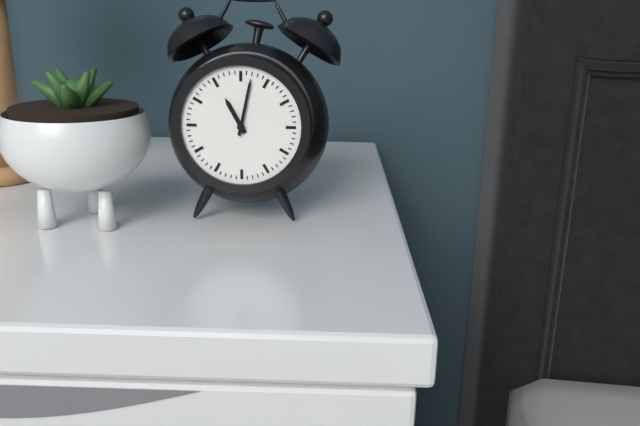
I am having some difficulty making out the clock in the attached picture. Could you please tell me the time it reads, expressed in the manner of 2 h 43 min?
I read 11 h 02 min
